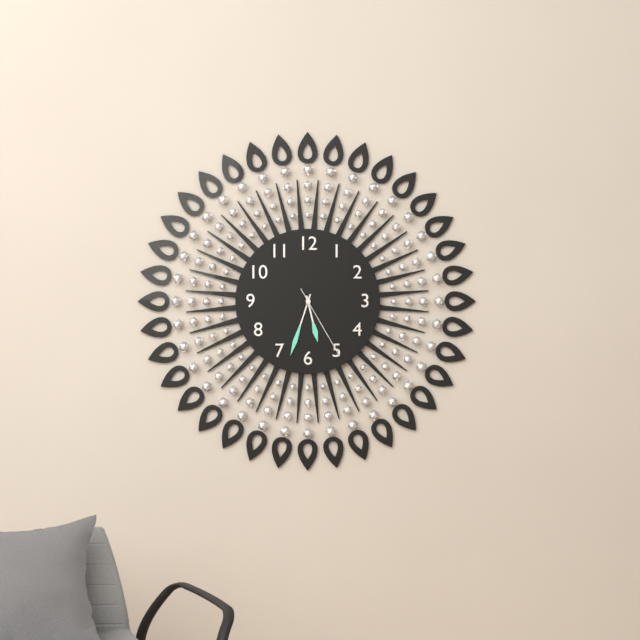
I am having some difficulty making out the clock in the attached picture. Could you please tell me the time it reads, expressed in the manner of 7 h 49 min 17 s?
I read 5 h 33 min 25 s
